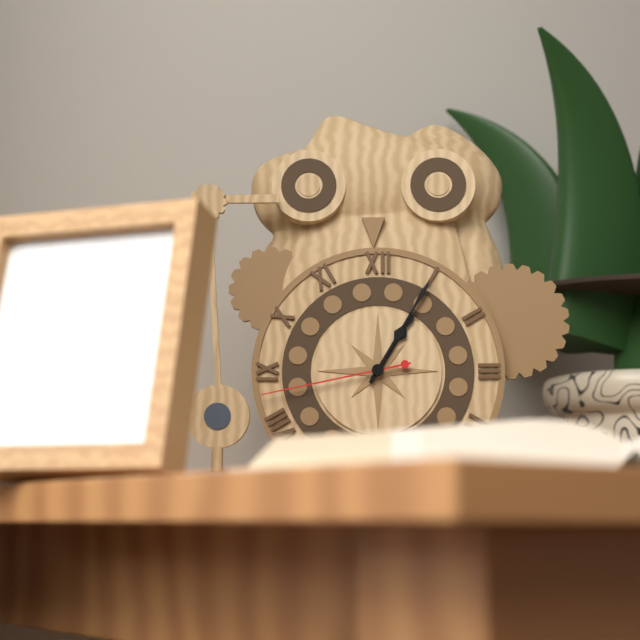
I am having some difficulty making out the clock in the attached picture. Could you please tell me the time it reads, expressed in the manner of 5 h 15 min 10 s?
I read 1 h 05 min 43 s
